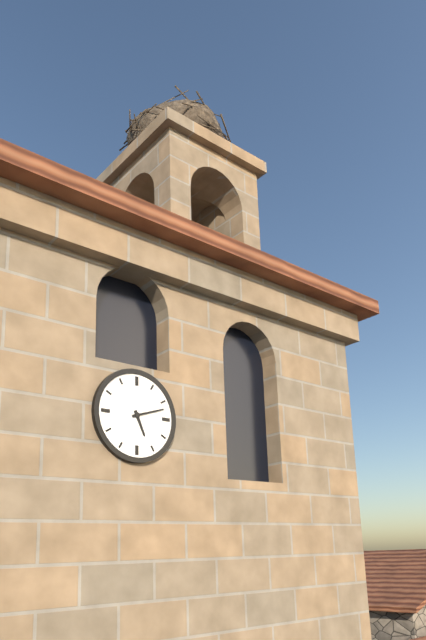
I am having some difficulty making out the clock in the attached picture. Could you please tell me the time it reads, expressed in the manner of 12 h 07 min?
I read 5 h 12 min
